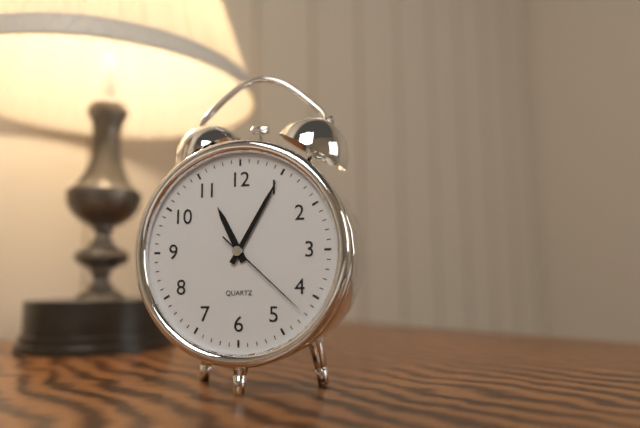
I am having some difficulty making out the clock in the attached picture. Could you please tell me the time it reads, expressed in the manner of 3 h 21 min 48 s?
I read 11 h 05 min 22 s
